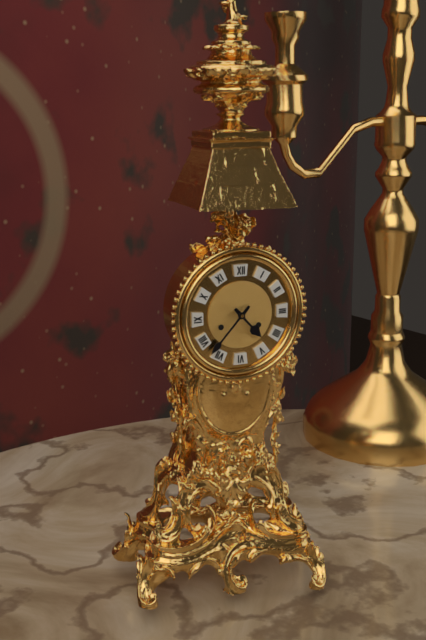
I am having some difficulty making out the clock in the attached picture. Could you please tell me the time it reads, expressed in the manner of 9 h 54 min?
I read 4 h 37 min
